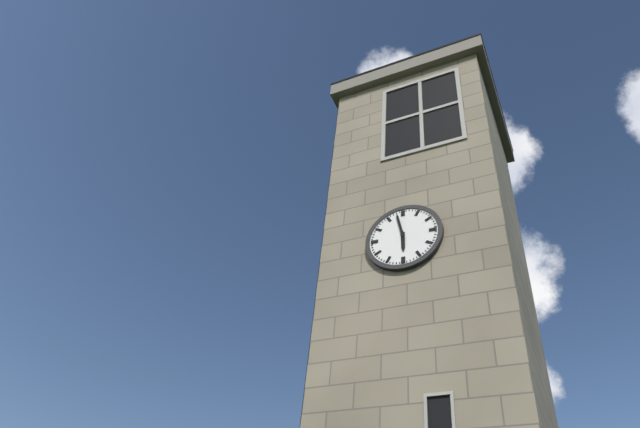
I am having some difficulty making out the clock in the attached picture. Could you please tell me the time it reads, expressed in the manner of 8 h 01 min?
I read 5 h 58 min
